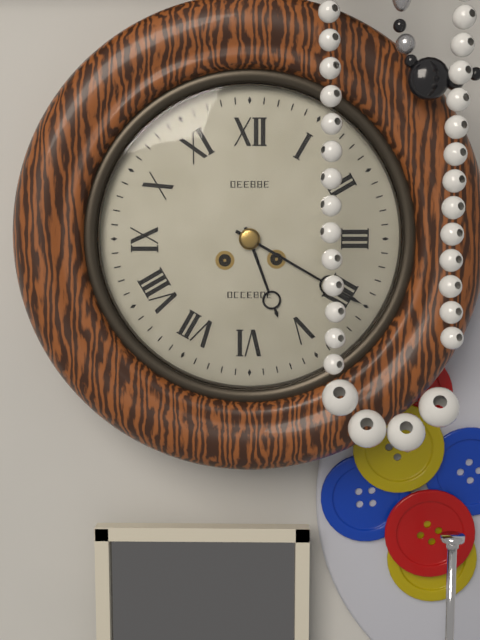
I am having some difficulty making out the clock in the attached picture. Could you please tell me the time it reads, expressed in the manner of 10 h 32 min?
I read 5 h 20 min
